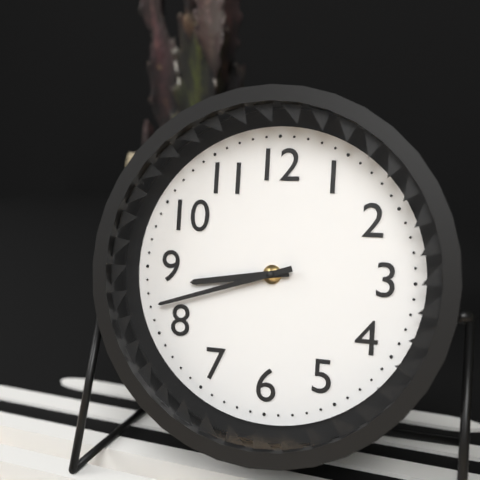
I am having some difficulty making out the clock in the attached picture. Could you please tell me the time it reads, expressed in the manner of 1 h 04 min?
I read 8 h 42 min
